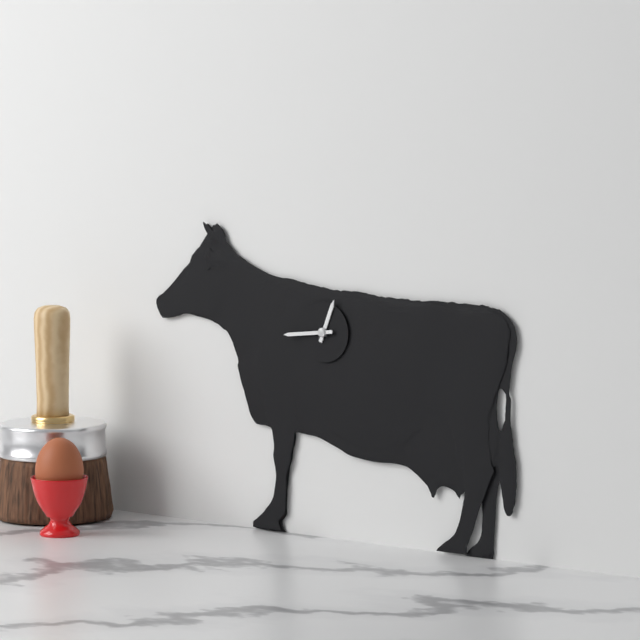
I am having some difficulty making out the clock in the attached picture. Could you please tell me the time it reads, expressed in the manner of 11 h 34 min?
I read 12 h 44 min
